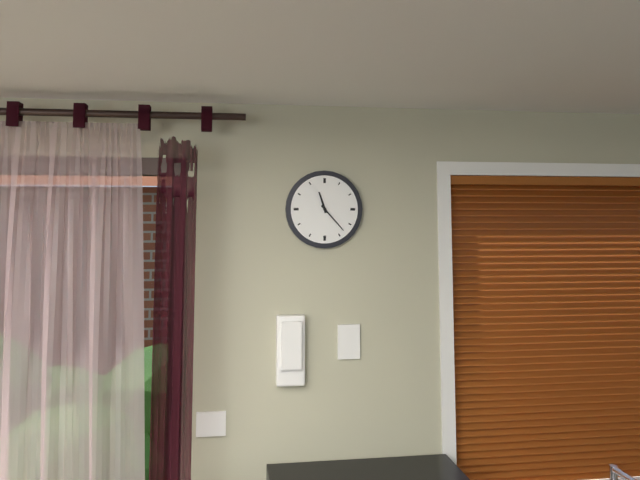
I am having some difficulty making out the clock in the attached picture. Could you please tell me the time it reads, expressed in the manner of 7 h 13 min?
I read 11 h 23 min
